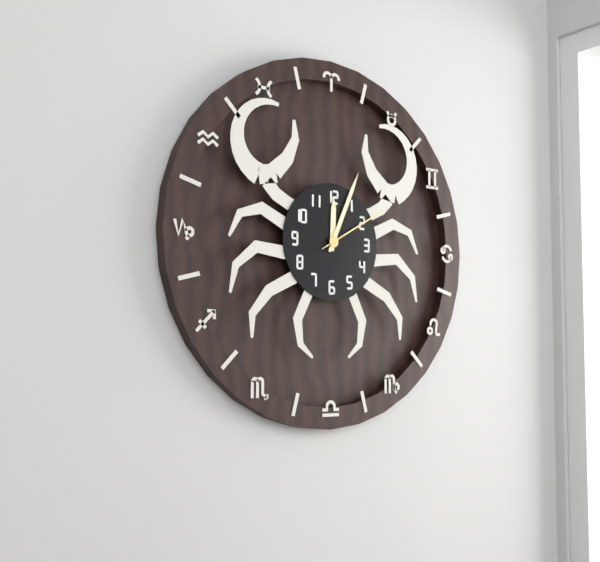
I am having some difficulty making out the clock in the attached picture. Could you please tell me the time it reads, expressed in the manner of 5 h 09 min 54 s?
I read 12 h 04 min 10 s
